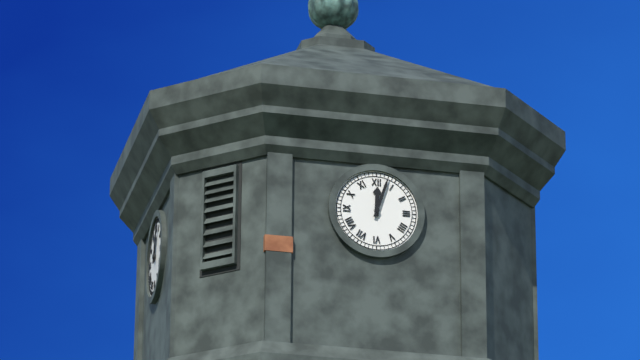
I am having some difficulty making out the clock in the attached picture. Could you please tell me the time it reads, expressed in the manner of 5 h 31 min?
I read 12 h 03 min
